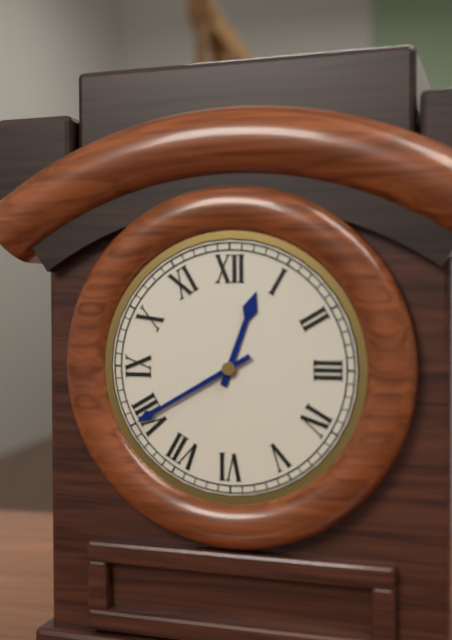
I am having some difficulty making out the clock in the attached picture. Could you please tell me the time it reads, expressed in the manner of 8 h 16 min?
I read 12 h 40 min
